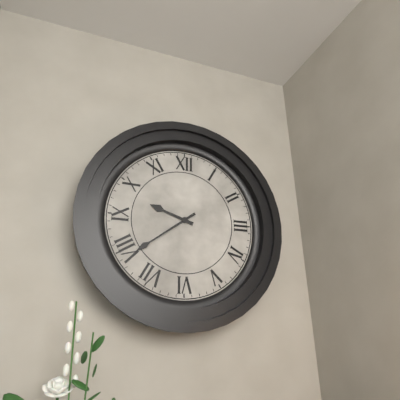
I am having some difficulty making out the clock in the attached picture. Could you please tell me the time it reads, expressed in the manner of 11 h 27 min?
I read 9 h 39 min
